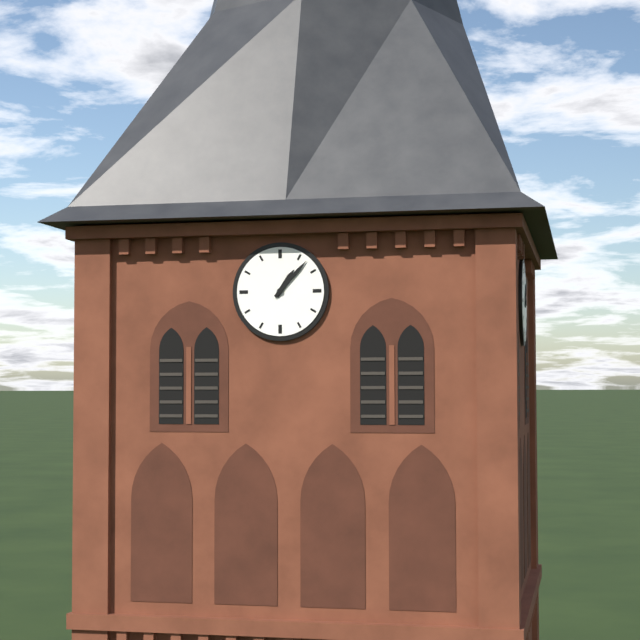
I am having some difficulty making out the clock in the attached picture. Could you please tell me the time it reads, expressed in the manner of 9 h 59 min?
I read 1 h 07 min
